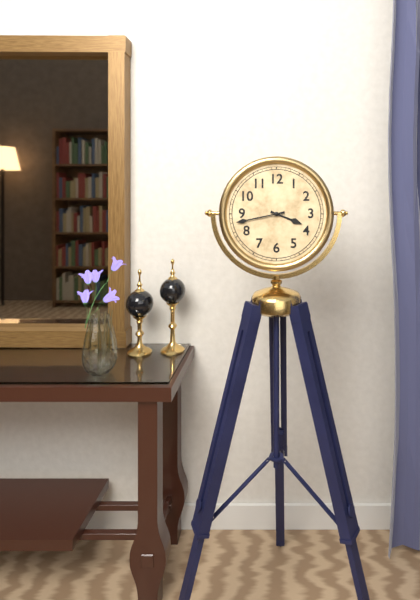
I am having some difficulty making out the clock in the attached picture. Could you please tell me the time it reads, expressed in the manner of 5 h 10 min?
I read 3 h 43 min
